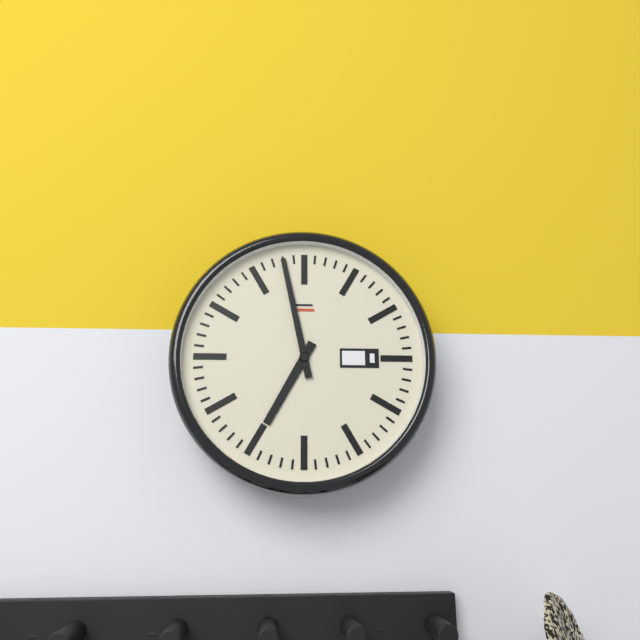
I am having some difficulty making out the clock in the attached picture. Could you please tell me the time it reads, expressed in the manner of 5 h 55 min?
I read 6 h 58 min
